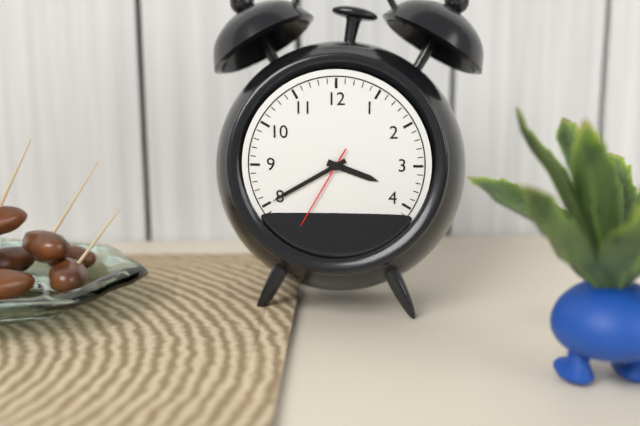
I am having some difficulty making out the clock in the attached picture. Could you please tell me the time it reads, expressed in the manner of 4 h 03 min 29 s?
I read 3 h 40 min 35 s
